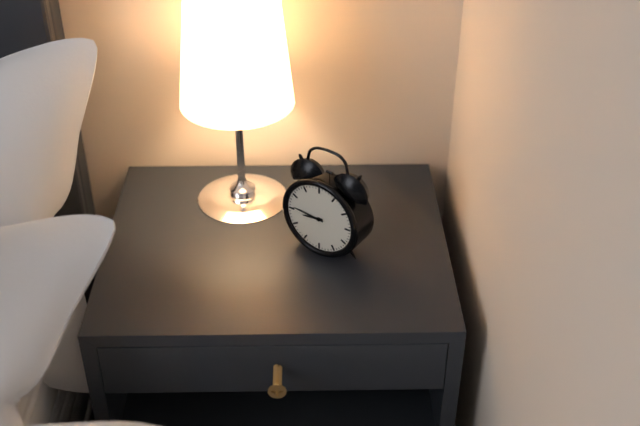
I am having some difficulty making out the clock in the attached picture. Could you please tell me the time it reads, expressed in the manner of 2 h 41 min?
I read 8 h 46 min
